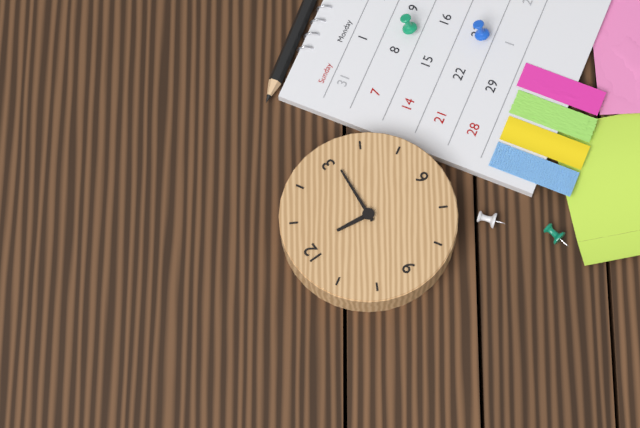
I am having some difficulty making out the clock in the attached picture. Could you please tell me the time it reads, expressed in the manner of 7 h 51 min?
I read 12 h 16 min
